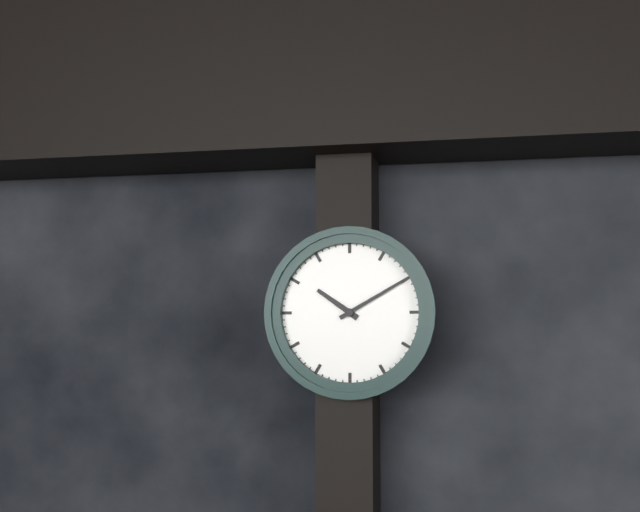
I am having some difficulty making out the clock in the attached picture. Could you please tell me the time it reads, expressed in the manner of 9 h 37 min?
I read 10 h 10 min
